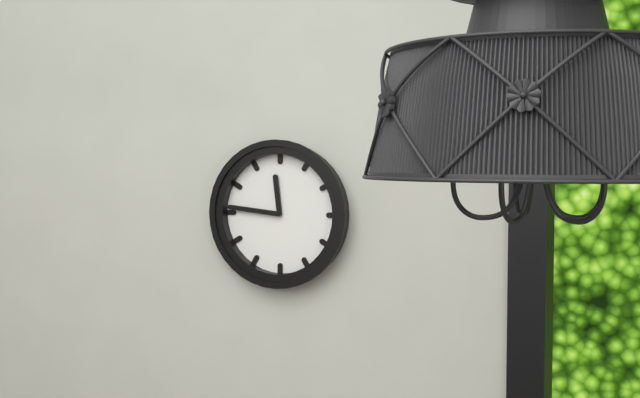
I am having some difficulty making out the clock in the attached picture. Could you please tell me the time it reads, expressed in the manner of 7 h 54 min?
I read 11 h 46 min
